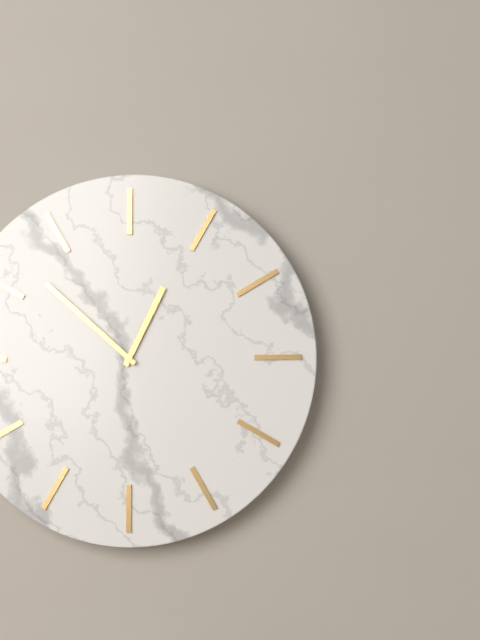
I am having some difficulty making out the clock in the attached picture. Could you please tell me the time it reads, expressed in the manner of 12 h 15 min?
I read 12 h 52 min
